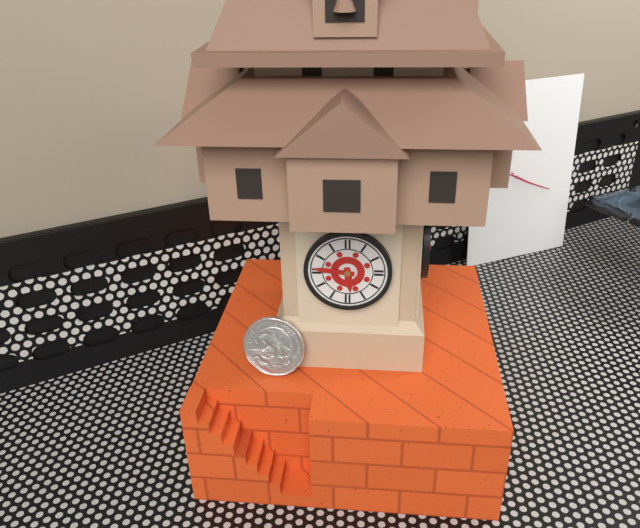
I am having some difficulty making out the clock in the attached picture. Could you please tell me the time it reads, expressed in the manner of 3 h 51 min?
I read 5 h 46 min
